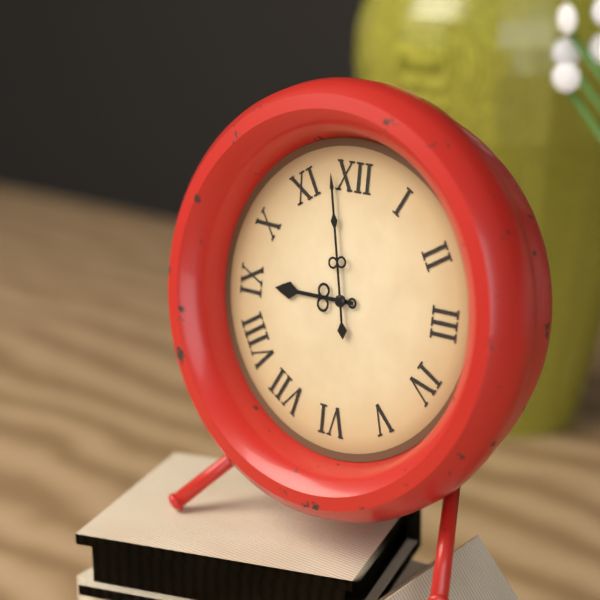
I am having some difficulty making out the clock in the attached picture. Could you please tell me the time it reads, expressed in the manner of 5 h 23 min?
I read 8 h 58 min
